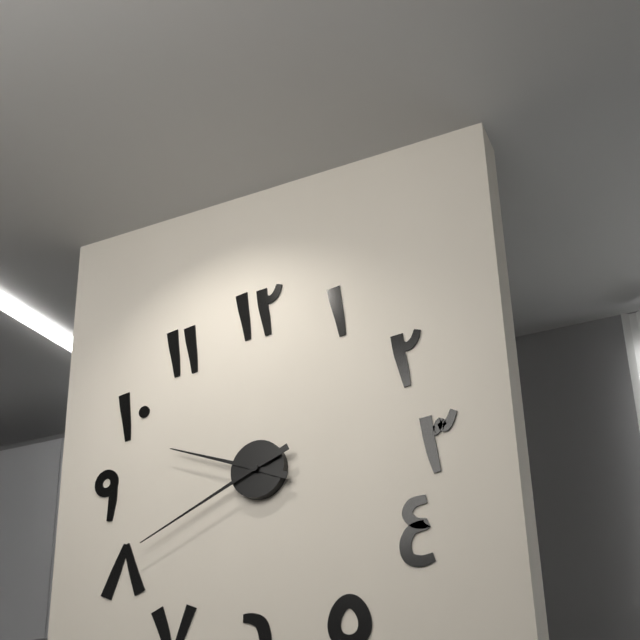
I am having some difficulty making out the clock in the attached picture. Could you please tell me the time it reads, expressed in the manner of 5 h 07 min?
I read 9 h 41 min
